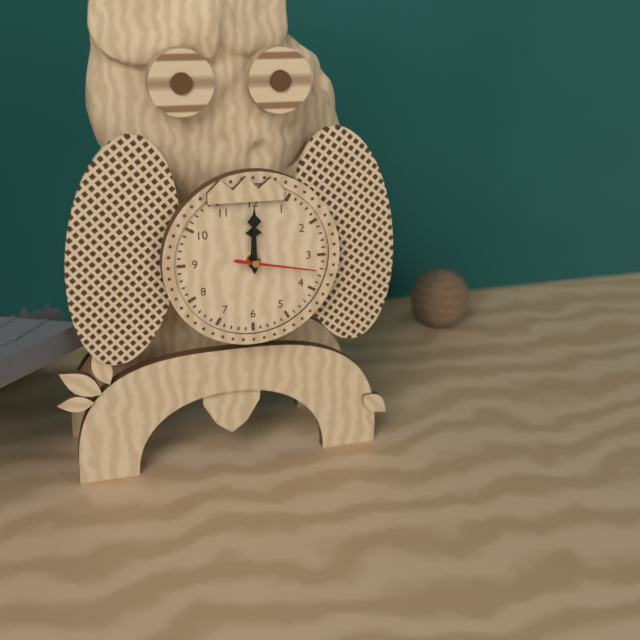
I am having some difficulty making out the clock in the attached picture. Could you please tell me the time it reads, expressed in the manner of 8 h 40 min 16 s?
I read 12 h 00 min 17 s
